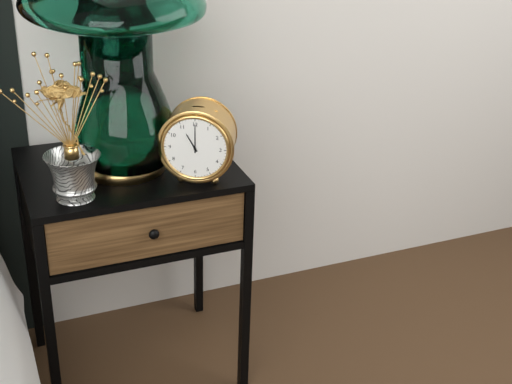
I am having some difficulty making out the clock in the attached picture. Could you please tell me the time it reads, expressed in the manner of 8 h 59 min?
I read 11 h 00 min
